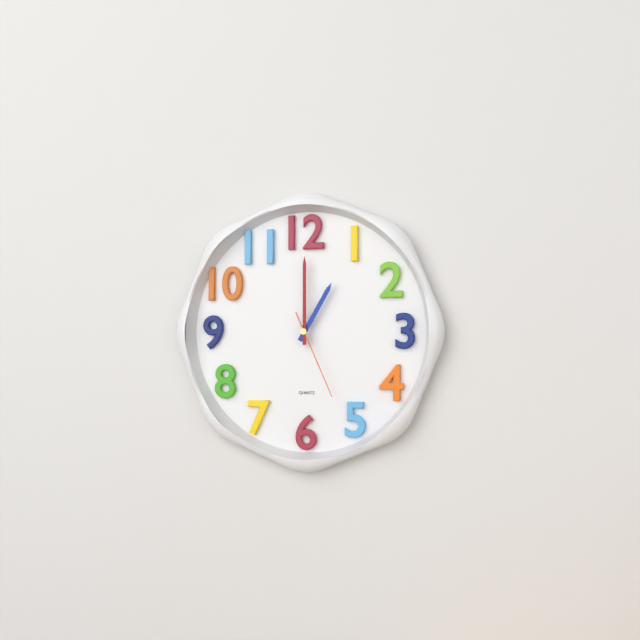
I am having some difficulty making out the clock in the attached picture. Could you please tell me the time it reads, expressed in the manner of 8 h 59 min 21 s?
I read 1 h 00 min 26 s
